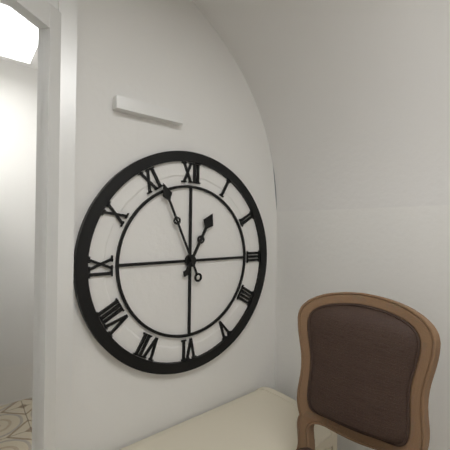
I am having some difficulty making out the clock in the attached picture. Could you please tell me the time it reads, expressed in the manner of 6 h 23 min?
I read 12 h 56 min
